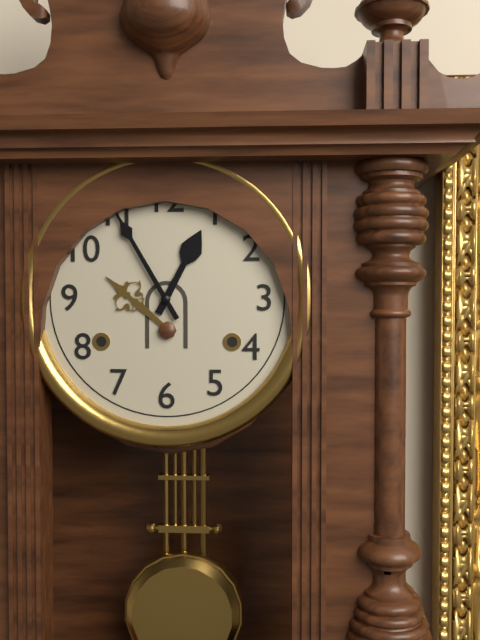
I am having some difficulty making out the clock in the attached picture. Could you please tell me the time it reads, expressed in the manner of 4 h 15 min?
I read 12 h 55 min
